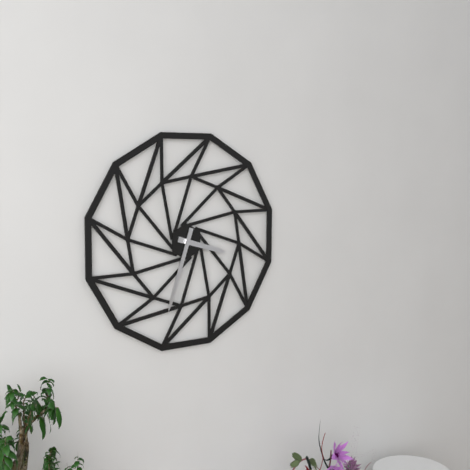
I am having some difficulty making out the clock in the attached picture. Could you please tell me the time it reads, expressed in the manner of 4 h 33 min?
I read 3 h 33 min
